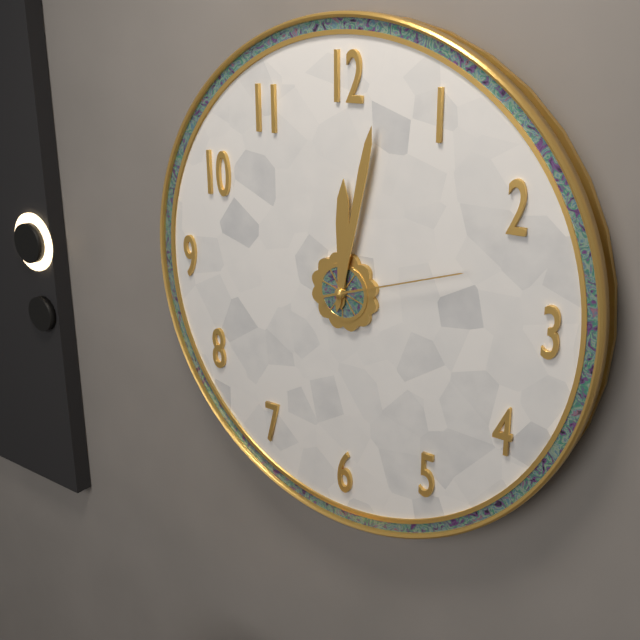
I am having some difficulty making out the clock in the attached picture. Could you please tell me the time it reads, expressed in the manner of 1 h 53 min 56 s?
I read 12 h 02 min 12 s
